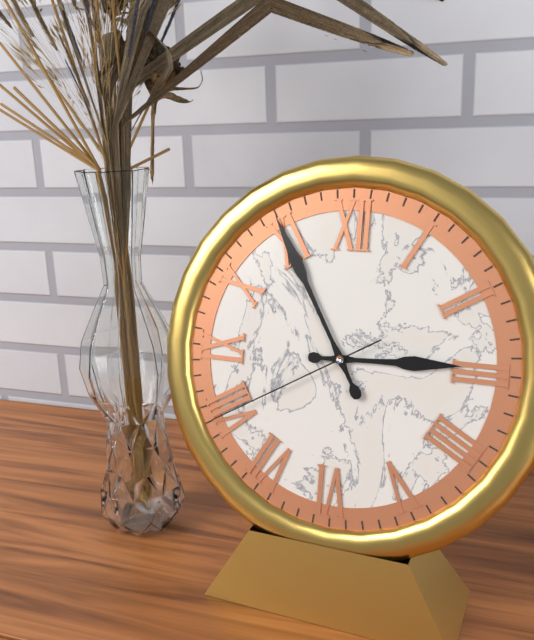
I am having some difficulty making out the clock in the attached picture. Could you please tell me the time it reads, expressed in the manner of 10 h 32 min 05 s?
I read 2 h 55 min 40 s
